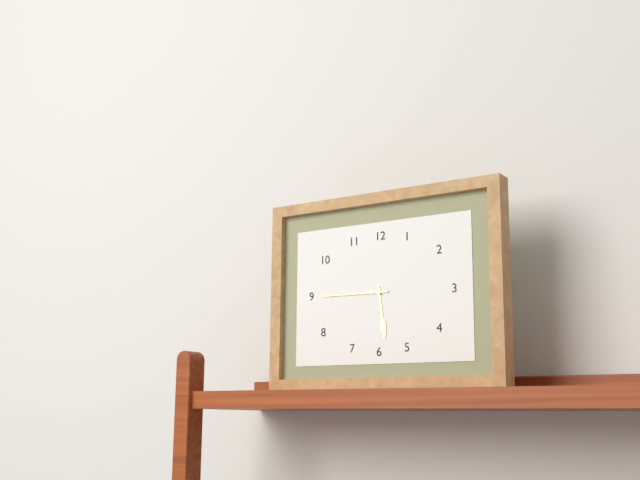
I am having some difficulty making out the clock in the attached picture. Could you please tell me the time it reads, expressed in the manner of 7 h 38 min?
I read 5 h 45 min
